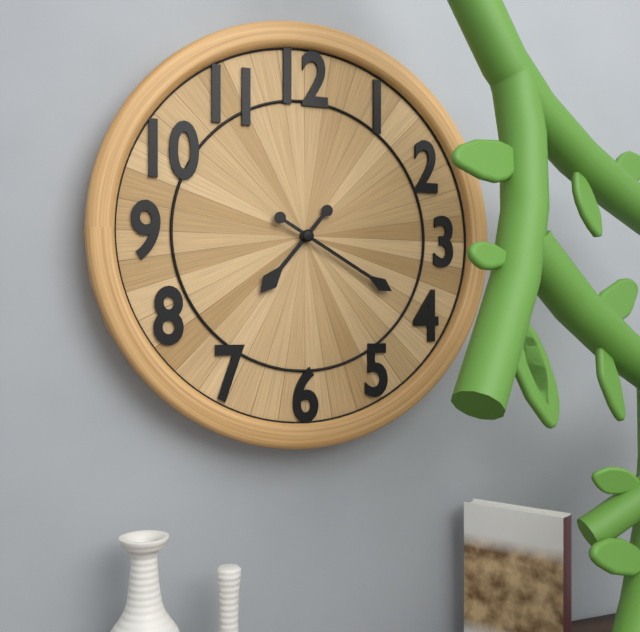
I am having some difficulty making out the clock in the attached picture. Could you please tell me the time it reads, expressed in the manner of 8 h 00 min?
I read 7 h 20 min
